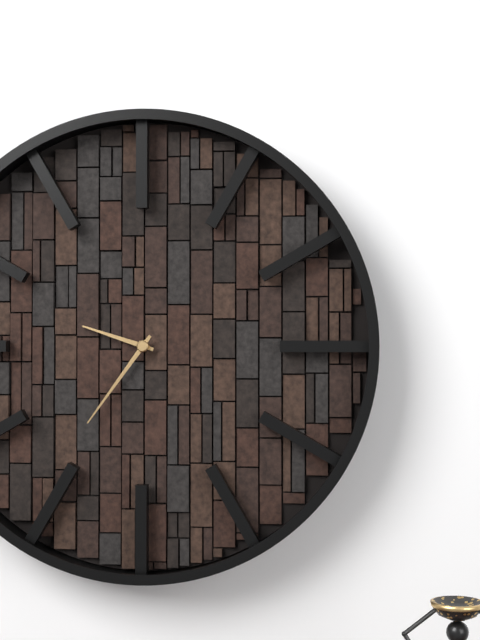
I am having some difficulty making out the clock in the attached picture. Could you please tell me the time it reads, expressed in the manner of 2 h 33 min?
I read 9 h 36 min
